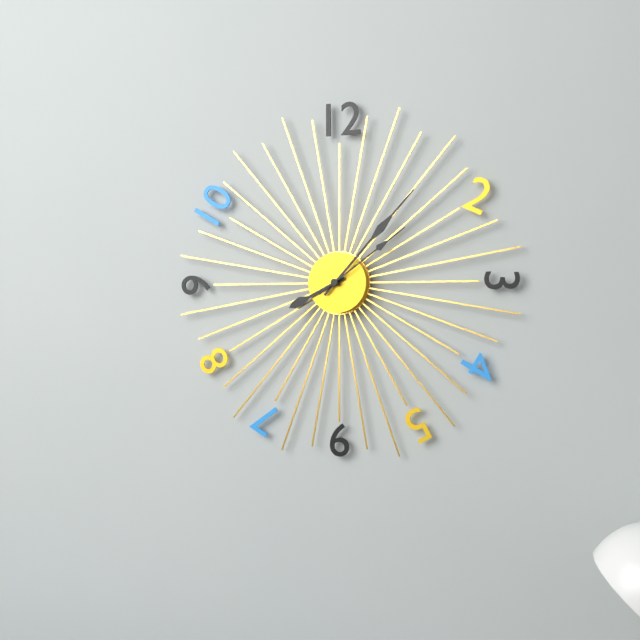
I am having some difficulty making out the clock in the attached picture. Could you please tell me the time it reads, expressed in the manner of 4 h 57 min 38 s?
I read 8 h 07 min 09 s
